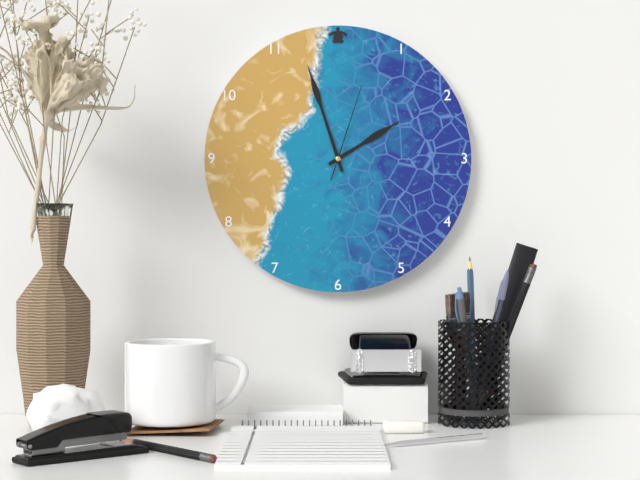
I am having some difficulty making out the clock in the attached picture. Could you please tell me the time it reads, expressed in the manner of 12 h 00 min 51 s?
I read 1 h 57 min 03 s
